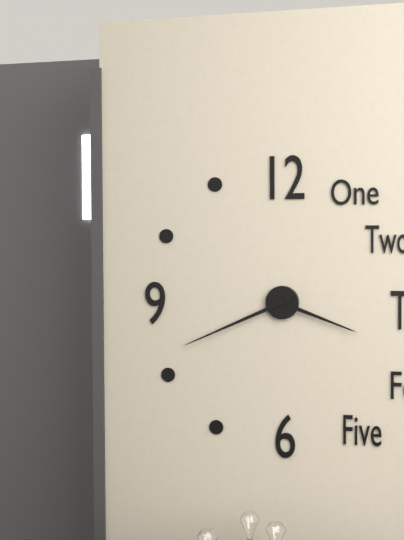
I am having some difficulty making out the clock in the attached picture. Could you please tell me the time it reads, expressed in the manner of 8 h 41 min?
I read 3 h 41 min
